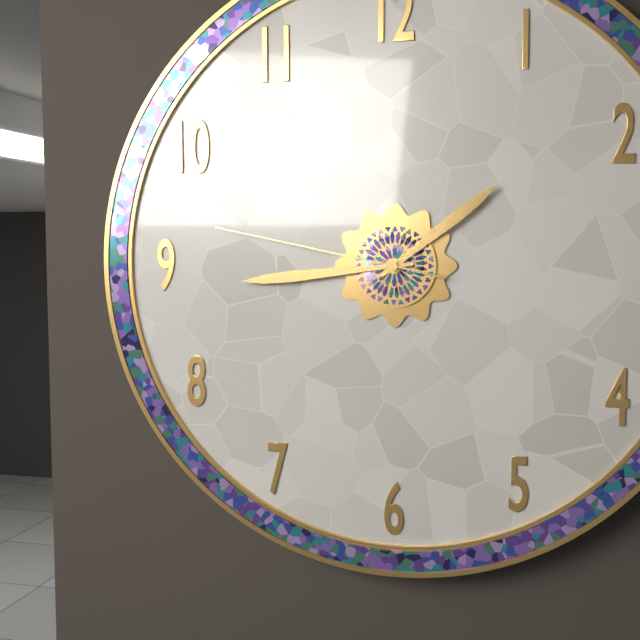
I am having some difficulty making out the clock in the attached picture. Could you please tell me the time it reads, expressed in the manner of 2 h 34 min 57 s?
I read 1 h 44 min 47 s
